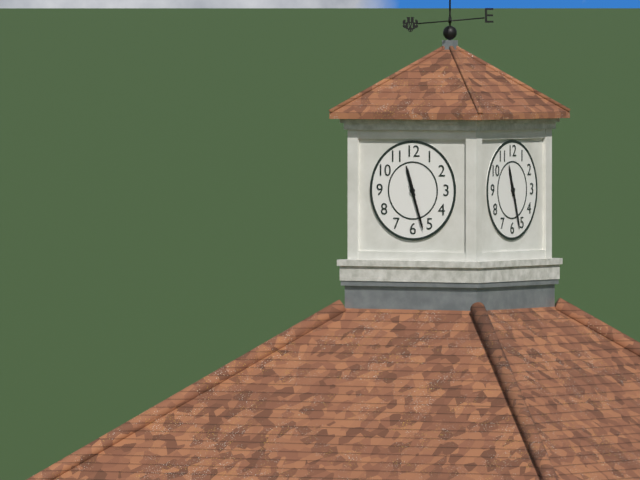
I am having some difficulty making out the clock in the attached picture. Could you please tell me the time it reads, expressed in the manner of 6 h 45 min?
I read 11 h 27 min
